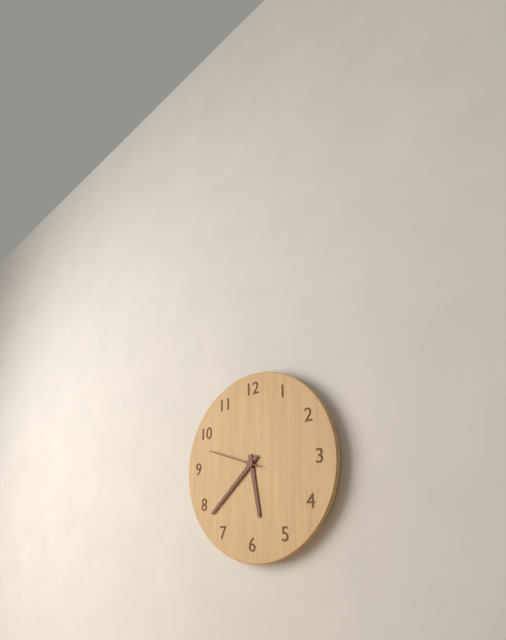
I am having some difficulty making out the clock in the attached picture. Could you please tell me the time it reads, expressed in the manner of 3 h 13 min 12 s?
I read 5 h 38 min 48 s
